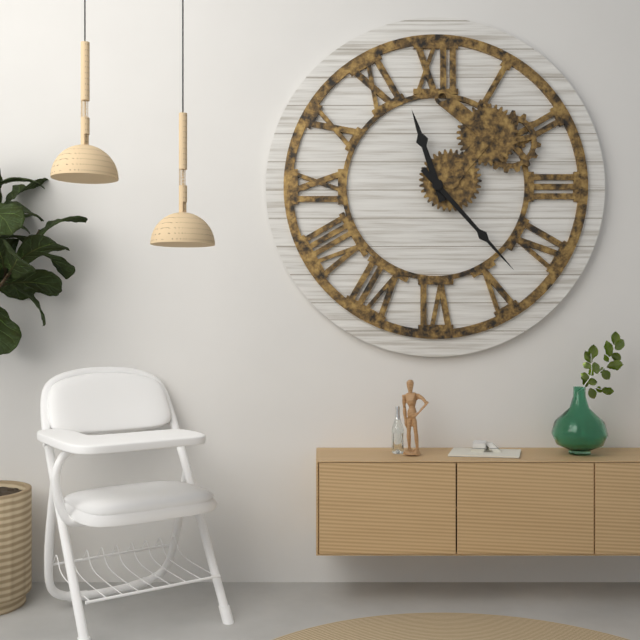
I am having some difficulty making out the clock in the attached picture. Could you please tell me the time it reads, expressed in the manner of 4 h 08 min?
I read 11 h 23 min
